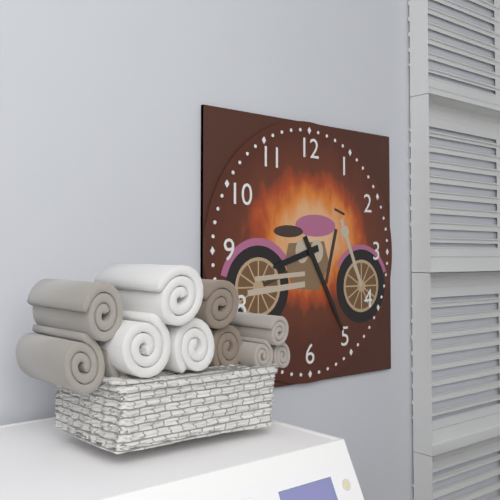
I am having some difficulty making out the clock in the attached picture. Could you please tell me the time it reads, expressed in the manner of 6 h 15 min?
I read 8 h 25 min
